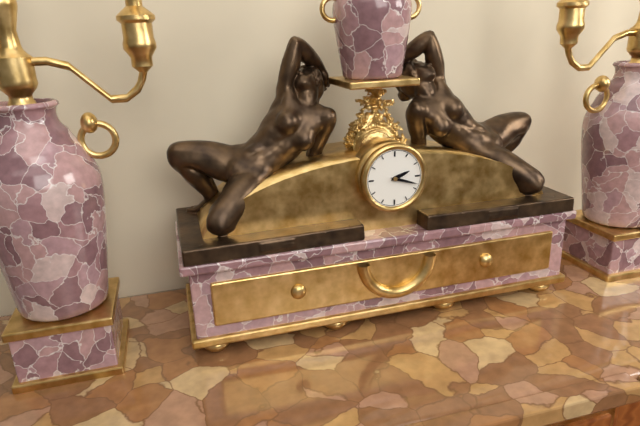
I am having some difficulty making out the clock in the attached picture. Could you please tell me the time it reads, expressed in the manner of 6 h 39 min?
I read 2 h 18 min
